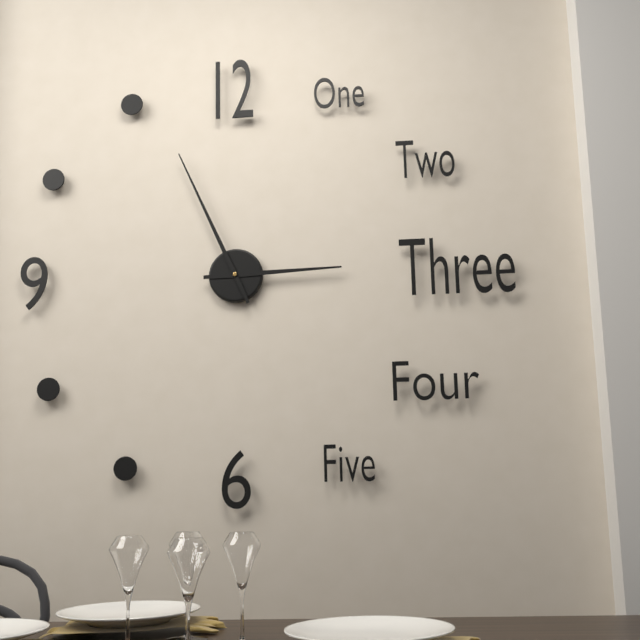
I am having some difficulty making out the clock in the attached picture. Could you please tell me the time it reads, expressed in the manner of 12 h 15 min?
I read 2 h 56 min
